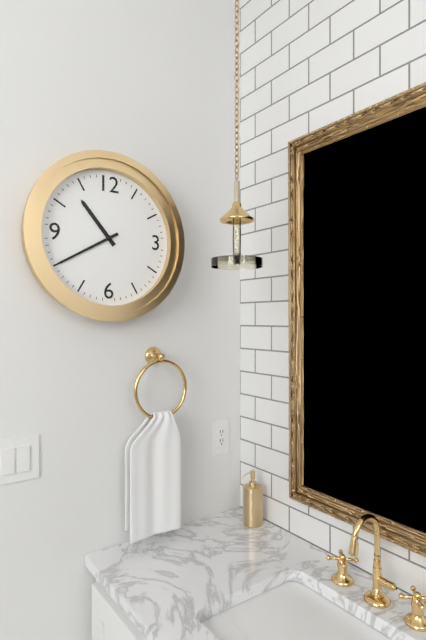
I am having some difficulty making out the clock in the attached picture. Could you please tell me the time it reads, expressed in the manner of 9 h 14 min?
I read 10 h 40 min
